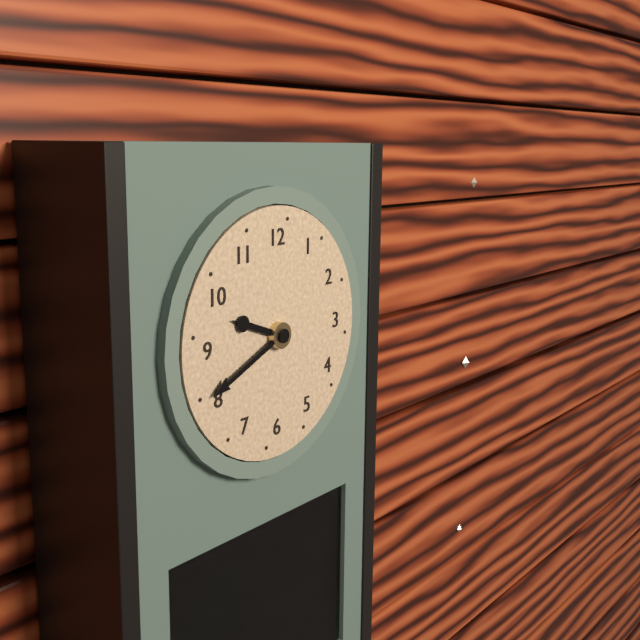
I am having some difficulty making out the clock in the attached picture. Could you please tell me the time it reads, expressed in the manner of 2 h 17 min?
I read 9 h 41 min
